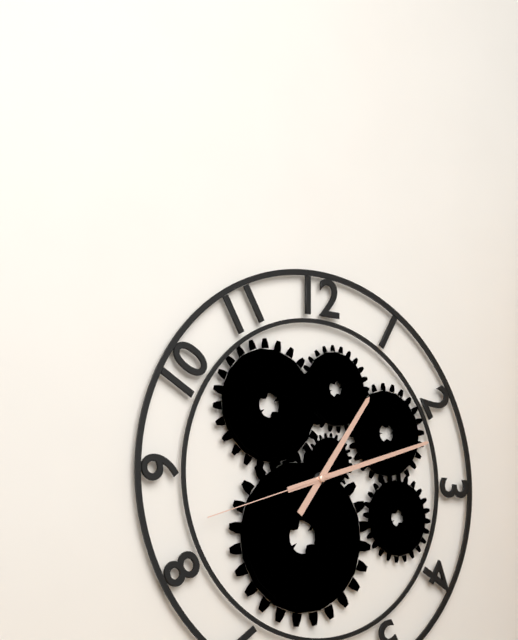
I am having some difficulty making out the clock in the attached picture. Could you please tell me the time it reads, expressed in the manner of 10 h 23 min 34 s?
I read 1 h 12 min 42 s
